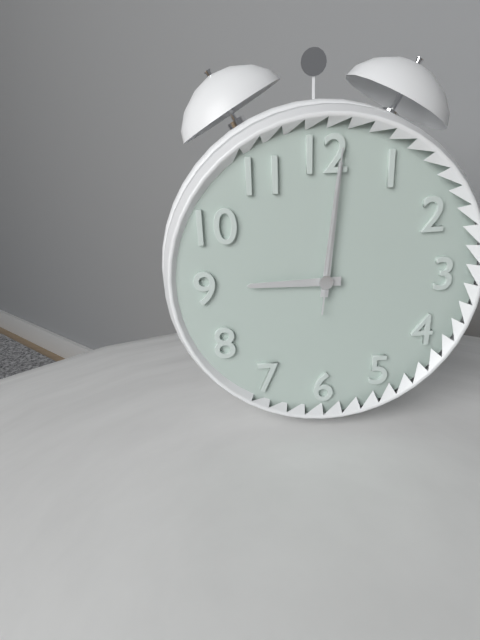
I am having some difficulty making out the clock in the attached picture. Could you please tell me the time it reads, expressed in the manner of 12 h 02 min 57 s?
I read 9 h 01 min 01 s
